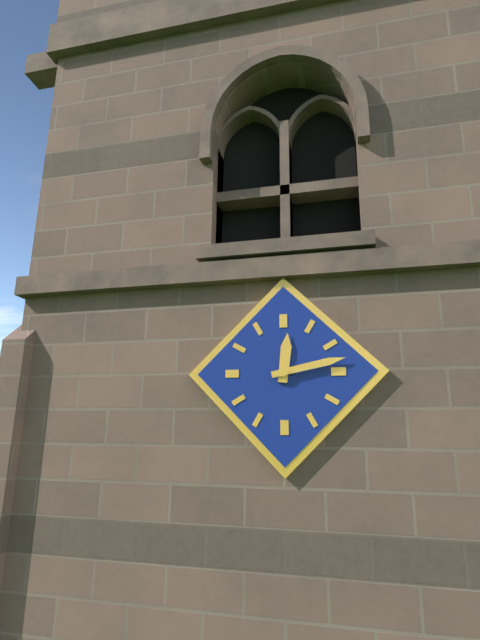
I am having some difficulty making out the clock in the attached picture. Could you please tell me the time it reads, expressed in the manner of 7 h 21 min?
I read 12 h 13 min
